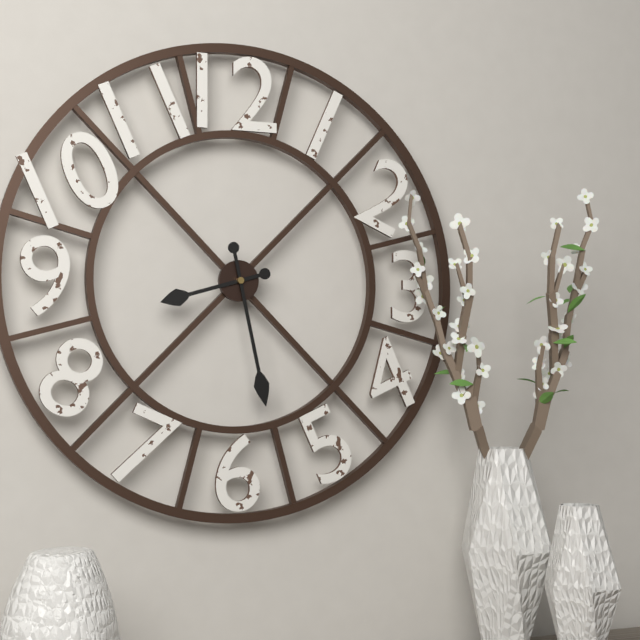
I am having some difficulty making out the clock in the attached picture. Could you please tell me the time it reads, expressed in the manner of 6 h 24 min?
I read 8 h 28 min
